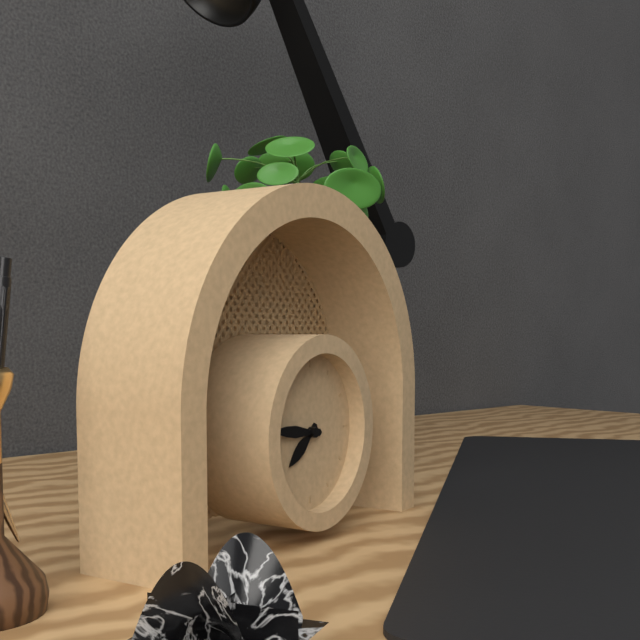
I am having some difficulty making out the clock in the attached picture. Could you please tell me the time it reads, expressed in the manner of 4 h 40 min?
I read 7 h 46 min
